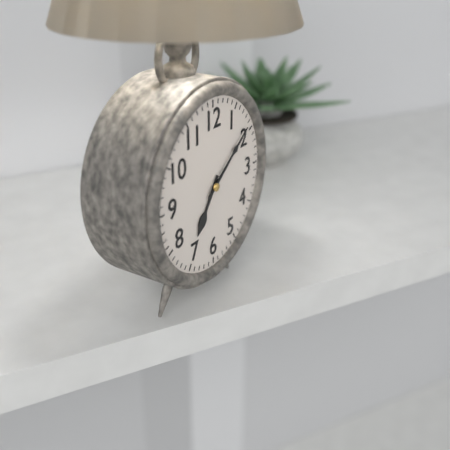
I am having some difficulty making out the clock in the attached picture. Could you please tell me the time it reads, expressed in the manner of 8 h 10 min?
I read 7 h 09 min
